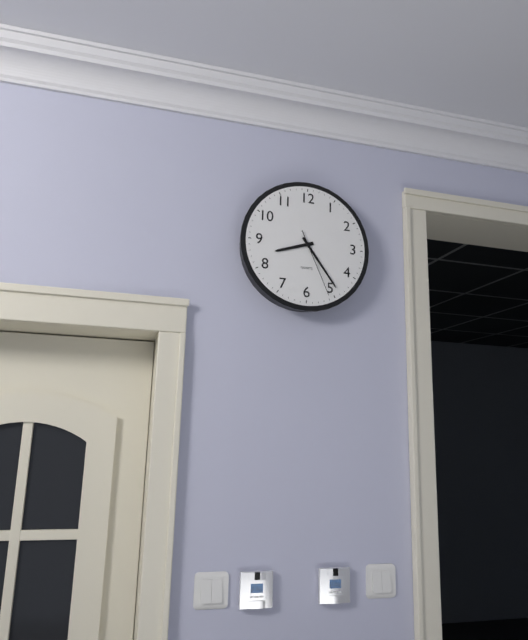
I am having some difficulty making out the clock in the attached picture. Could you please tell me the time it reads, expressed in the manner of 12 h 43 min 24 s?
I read 8 h 24 min 26 s
